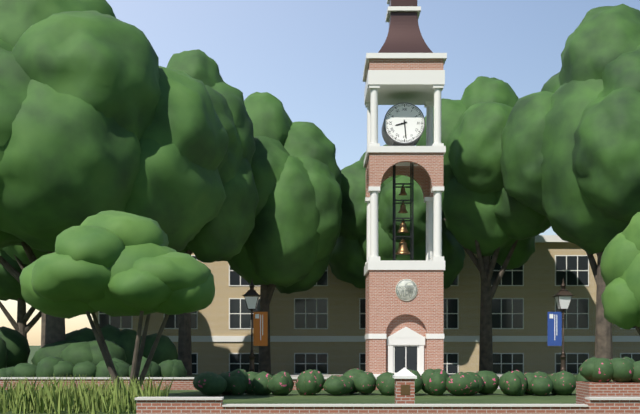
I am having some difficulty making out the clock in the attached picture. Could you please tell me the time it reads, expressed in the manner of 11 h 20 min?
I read 8 h 29 min
